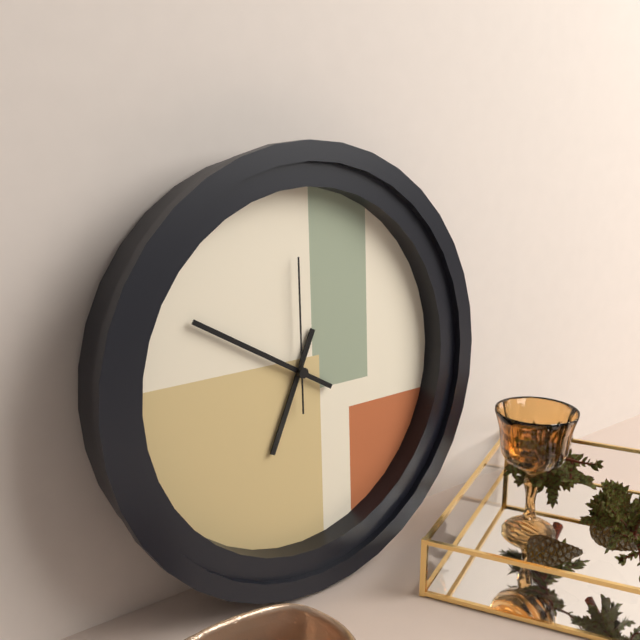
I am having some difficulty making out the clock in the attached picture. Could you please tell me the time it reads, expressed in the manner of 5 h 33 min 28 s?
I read 6 h 50 min 00 s
